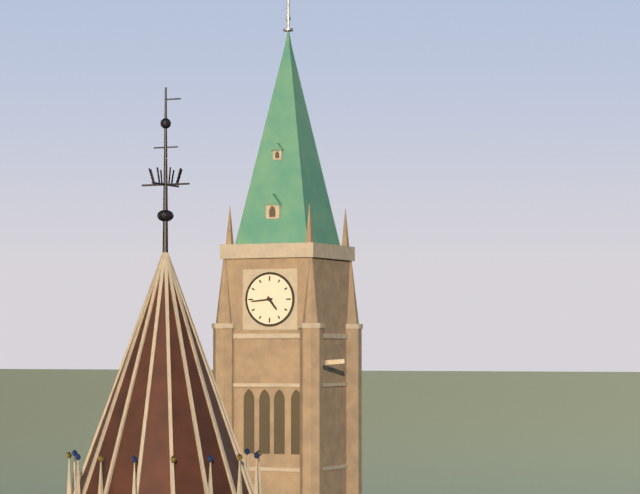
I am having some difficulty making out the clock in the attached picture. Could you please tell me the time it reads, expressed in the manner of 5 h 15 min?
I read 4 h 44 min
